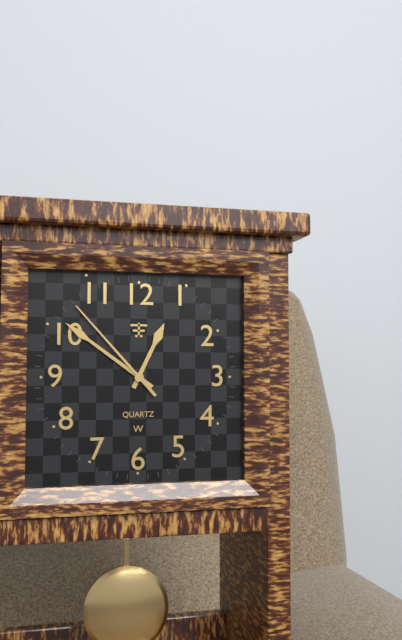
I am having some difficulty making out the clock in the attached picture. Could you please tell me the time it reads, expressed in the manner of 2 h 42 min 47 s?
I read 12 h 51 min 53 s
